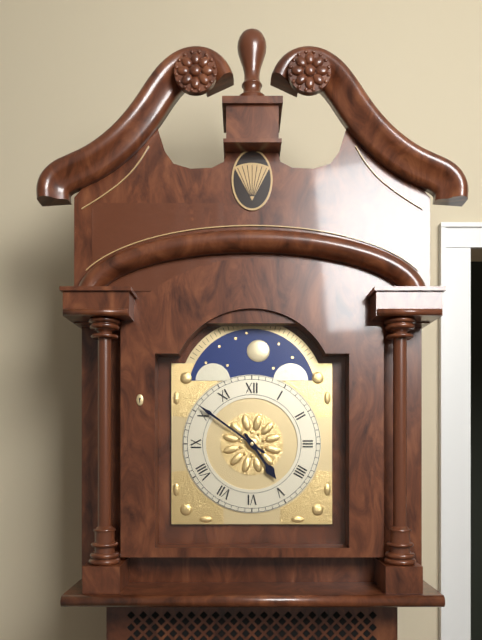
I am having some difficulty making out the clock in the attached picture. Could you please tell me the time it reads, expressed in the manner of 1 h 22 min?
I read 4 h 51 min
